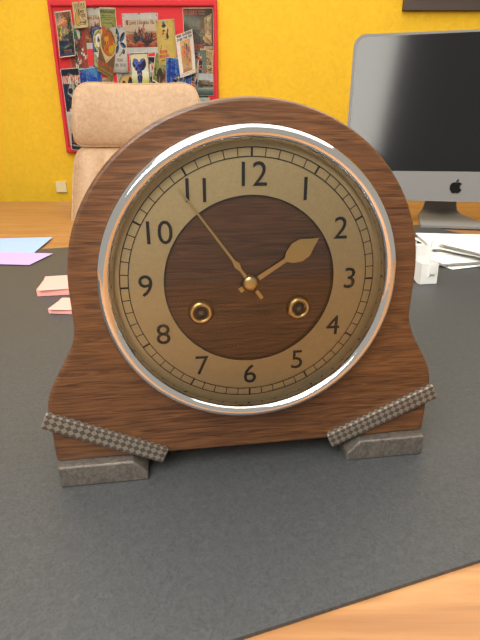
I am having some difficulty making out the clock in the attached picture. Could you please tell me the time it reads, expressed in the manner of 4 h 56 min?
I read 1 h 54 min
